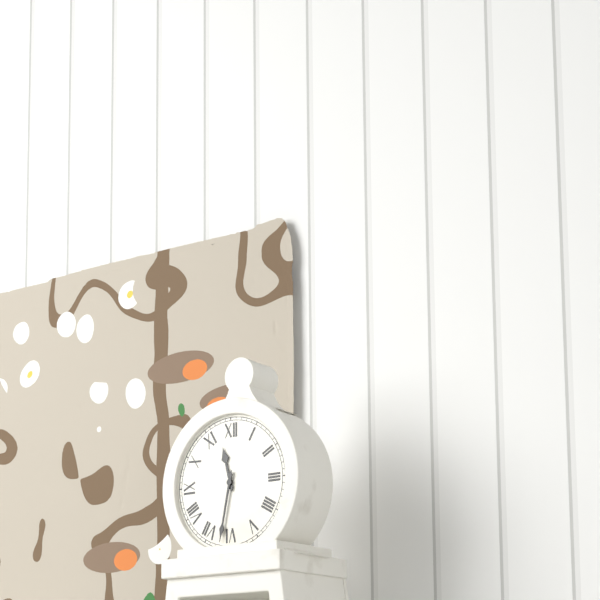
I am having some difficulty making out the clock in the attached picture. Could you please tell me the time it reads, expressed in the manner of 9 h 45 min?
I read 11 h 32 min
